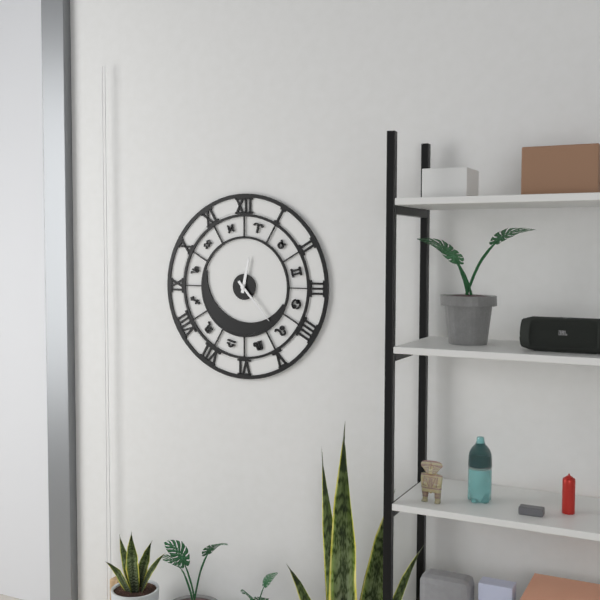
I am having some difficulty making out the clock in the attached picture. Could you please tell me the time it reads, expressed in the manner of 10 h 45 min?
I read 12 h 23 min
